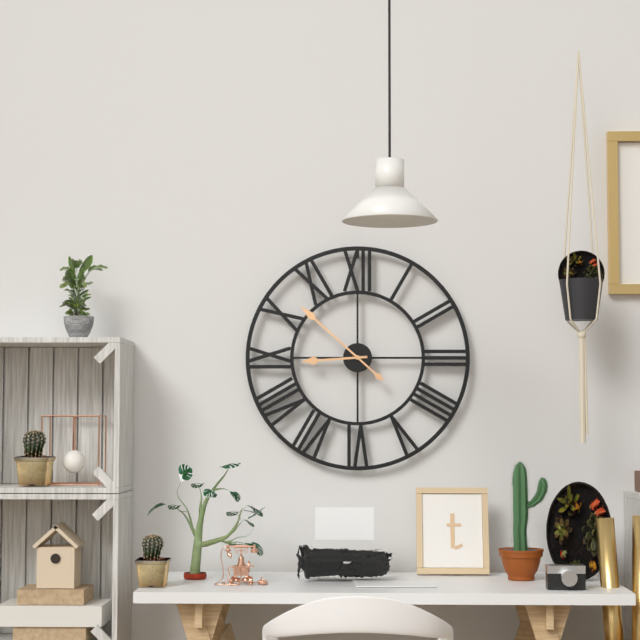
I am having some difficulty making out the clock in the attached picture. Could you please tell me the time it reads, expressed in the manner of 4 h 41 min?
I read 8 h 52 min
